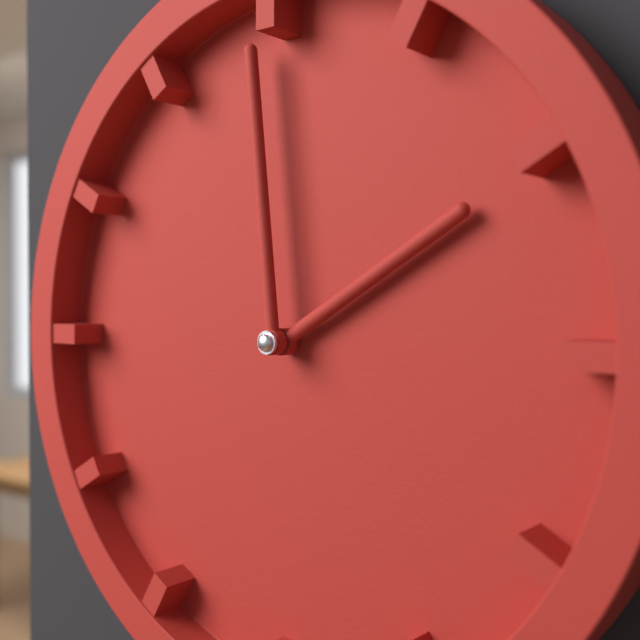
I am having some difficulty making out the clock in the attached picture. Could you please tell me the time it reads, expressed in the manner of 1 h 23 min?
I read 1 h 59 min
